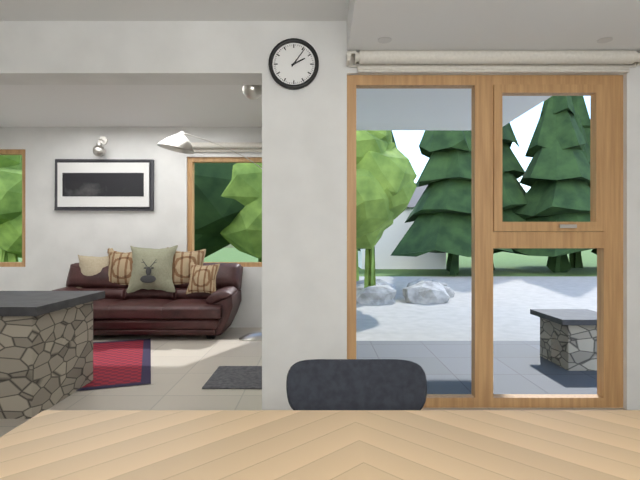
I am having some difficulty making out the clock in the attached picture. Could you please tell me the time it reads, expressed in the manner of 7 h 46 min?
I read 2 h 06 min
